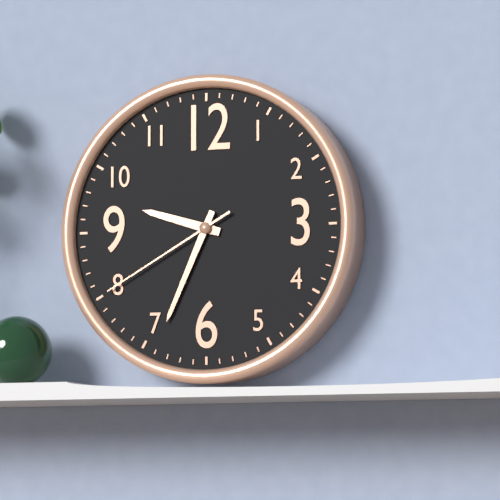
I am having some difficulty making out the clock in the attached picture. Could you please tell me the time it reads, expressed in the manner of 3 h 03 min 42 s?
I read 9 h 34 min 40 s
